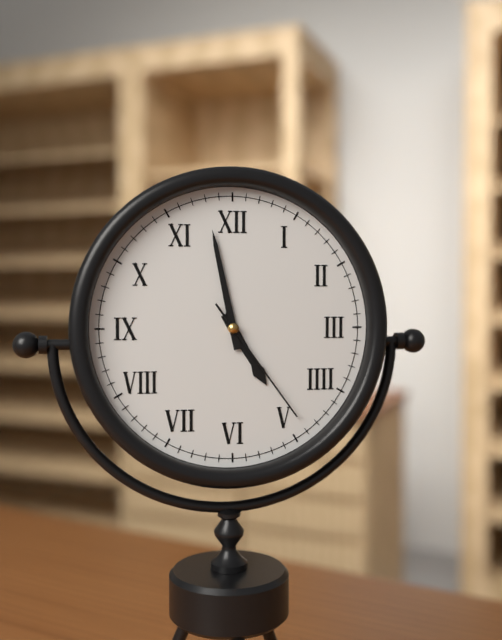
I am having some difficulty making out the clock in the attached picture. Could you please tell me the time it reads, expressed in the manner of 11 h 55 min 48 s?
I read 4 h 58 min 24 s
